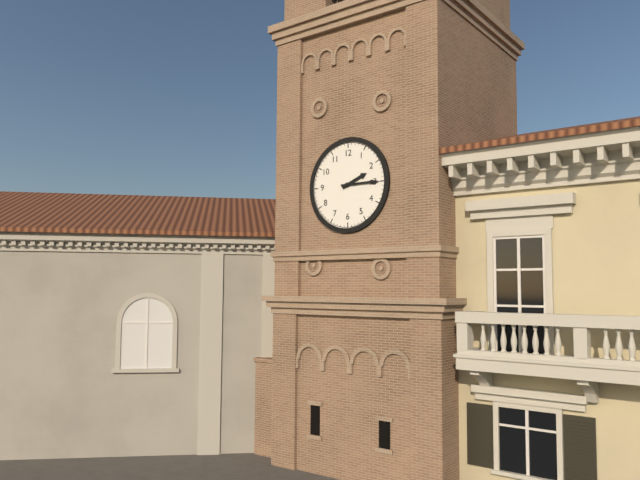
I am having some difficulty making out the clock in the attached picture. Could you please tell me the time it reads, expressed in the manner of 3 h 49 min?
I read 2 h 15 min
